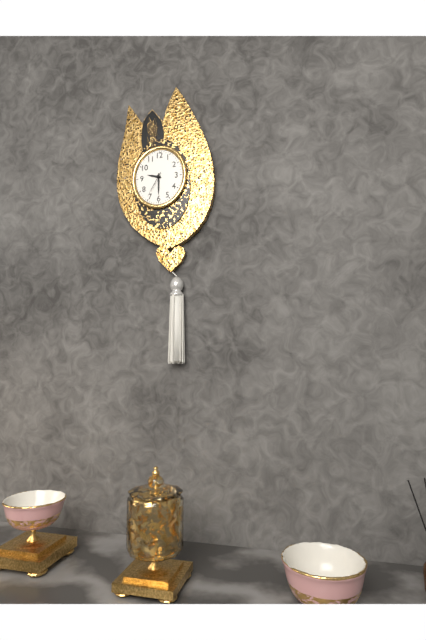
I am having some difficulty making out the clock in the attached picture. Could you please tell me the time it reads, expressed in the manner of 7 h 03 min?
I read 9 h 30 min
